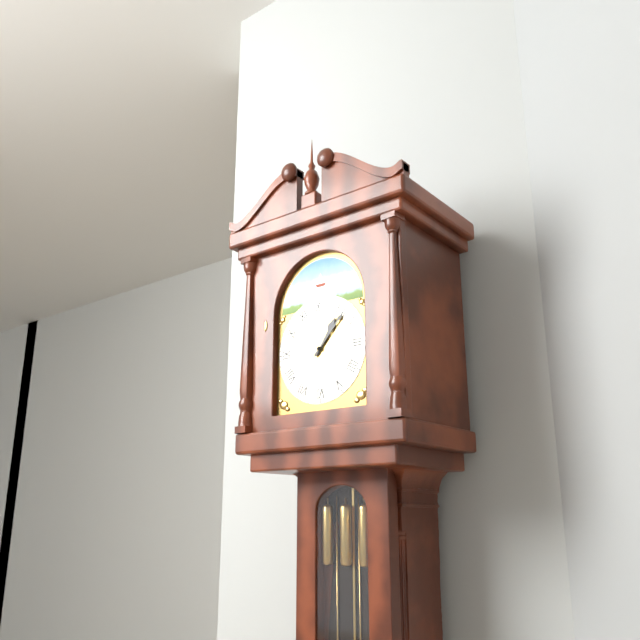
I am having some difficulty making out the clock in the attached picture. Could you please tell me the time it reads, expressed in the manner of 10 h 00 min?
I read 1 h 07 min
